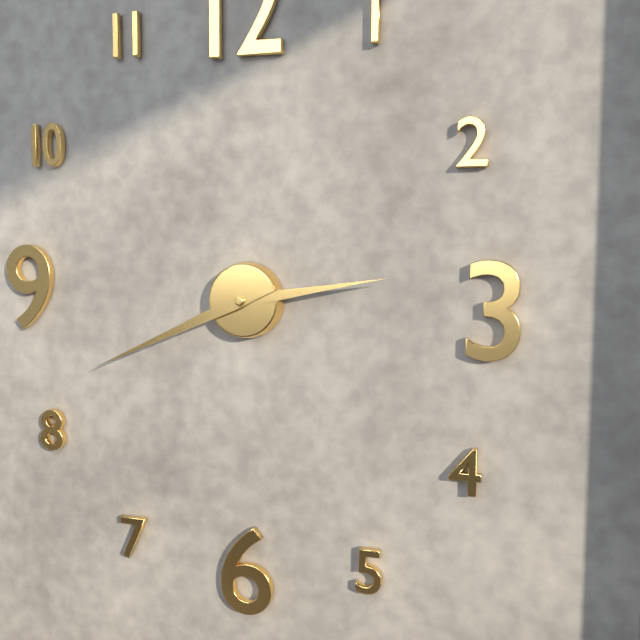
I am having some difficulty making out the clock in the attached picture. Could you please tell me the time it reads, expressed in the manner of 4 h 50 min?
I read 2 h 41 min
